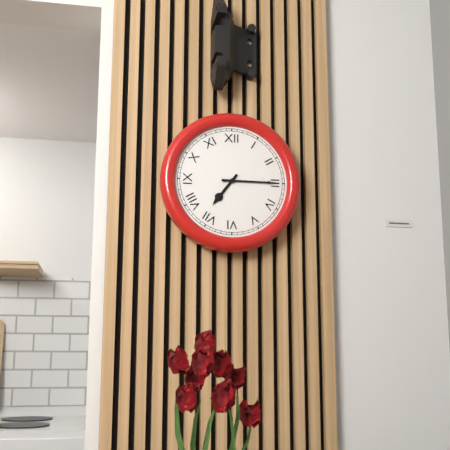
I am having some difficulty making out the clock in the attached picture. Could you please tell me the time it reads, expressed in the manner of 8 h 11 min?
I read 7 h 15 min
